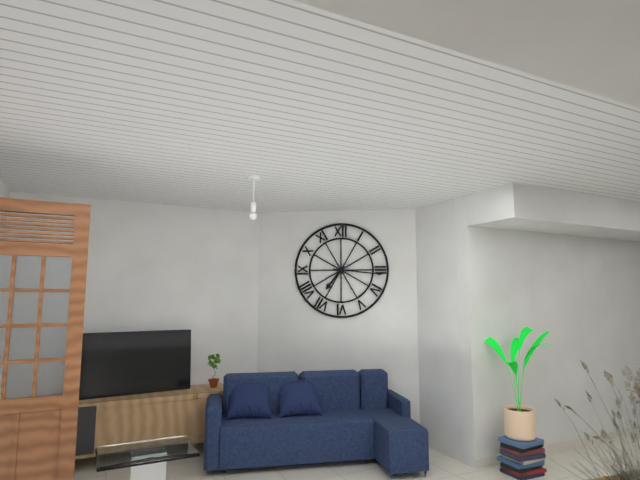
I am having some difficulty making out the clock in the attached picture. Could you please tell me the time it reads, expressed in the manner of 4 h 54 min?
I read 7 h 16 min
